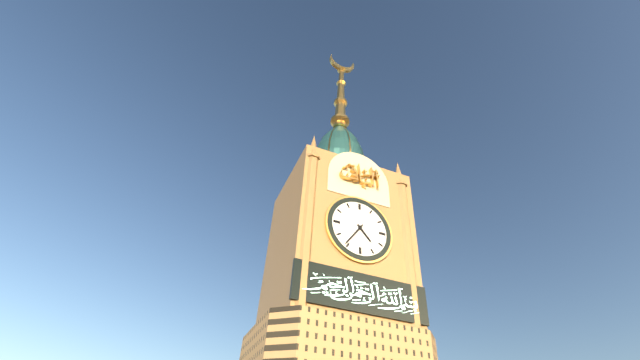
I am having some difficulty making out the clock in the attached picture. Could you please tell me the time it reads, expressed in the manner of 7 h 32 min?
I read 4 h 36 min
